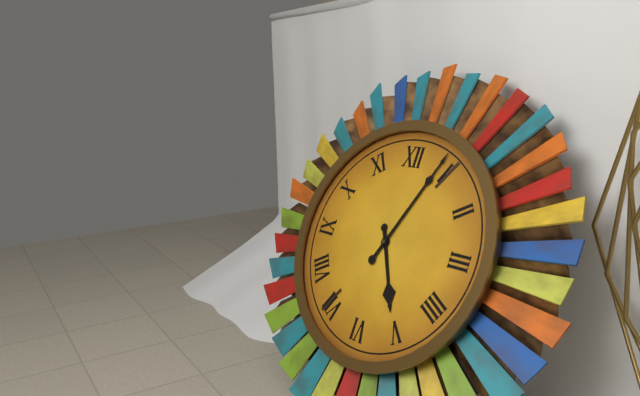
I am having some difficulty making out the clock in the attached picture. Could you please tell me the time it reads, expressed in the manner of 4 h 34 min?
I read 5 h 04 min
